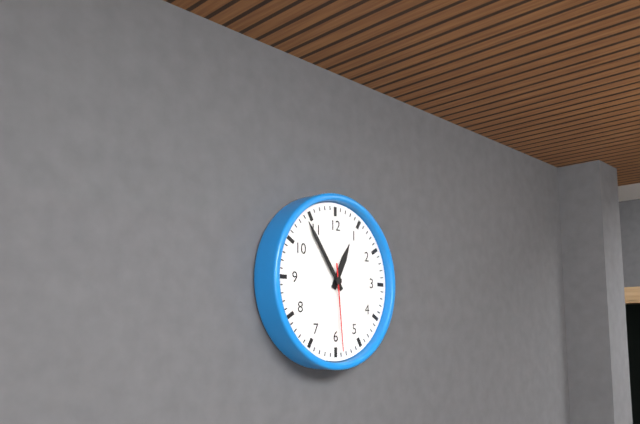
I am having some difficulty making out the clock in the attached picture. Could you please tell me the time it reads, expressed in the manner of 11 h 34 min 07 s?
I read 12 h 54 min 29 s
